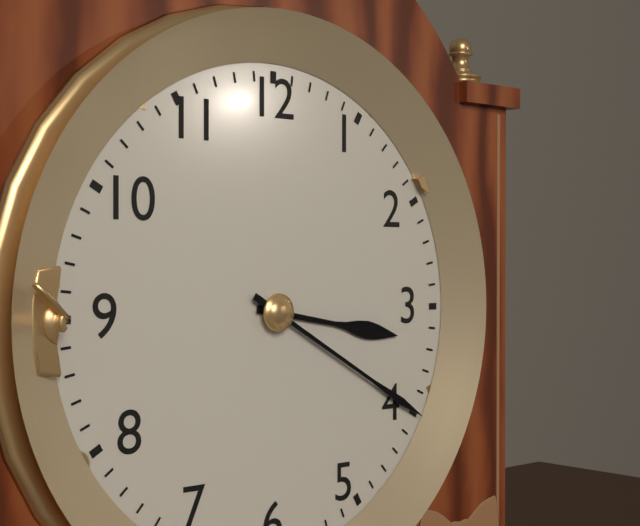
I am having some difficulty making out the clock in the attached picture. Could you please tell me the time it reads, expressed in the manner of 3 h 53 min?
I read 3 h 20 min
